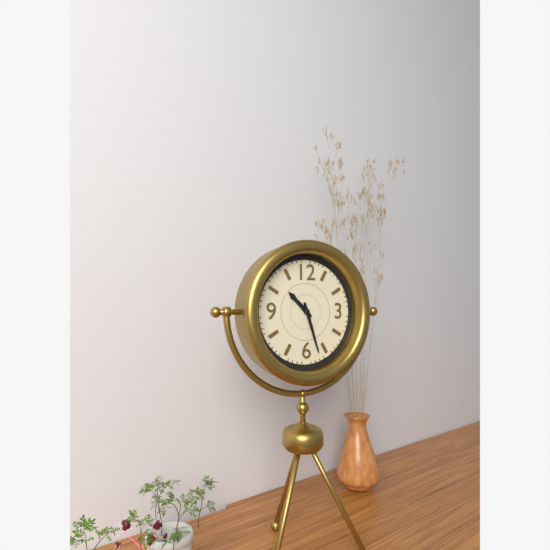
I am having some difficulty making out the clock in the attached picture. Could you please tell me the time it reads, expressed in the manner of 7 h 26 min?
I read 10 h 27 min
